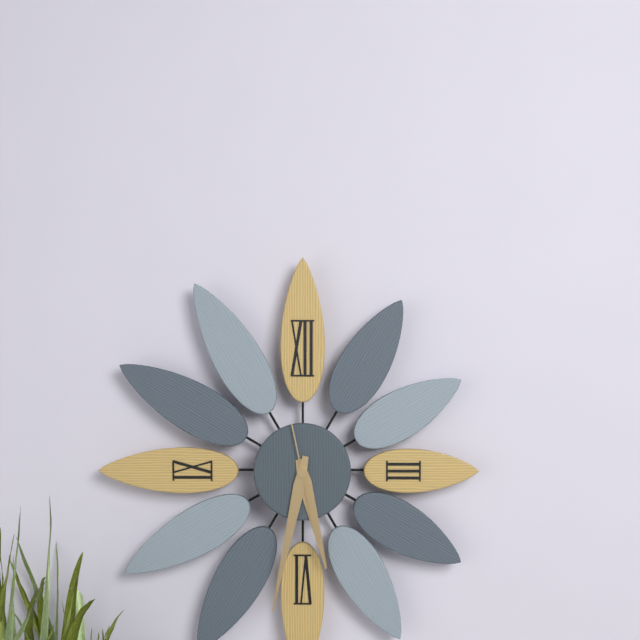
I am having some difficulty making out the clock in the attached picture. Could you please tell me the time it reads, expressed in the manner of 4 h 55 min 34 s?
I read 5 h 32 min 28 s
